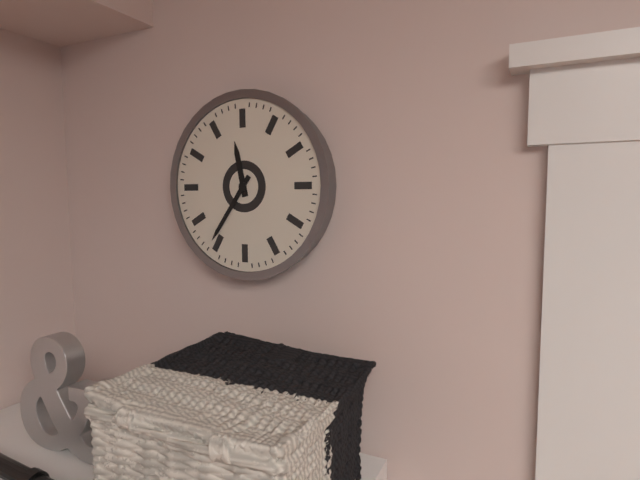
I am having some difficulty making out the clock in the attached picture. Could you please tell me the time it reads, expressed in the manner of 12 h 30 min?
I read 11 h 36 min
